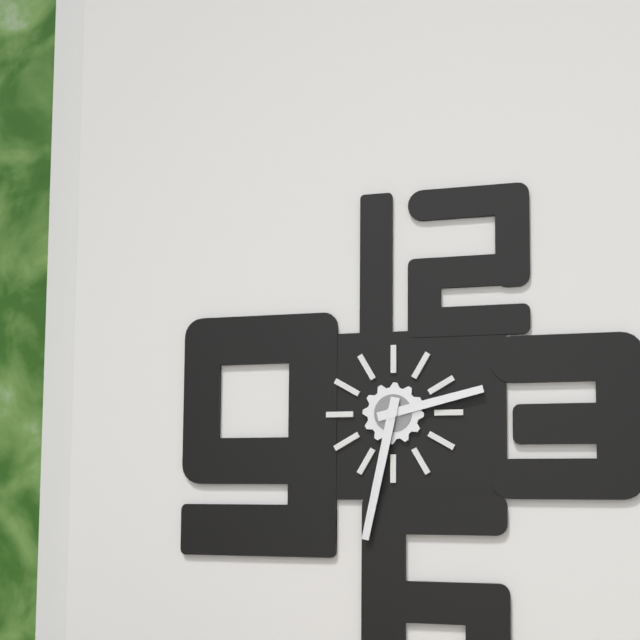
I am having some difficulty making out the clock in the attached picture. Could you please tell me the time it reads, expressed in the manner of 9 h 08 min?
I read 2 h 32 min
